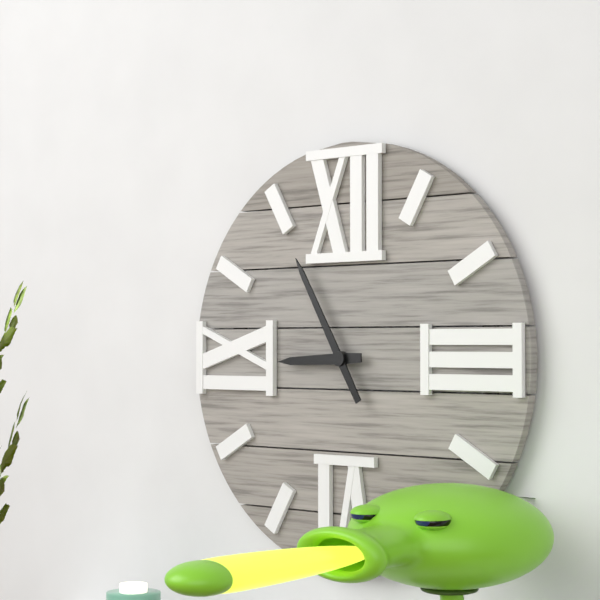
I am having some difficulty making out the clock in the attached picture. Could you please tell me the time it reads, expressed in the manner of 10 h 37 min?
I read 8 h 55 min
